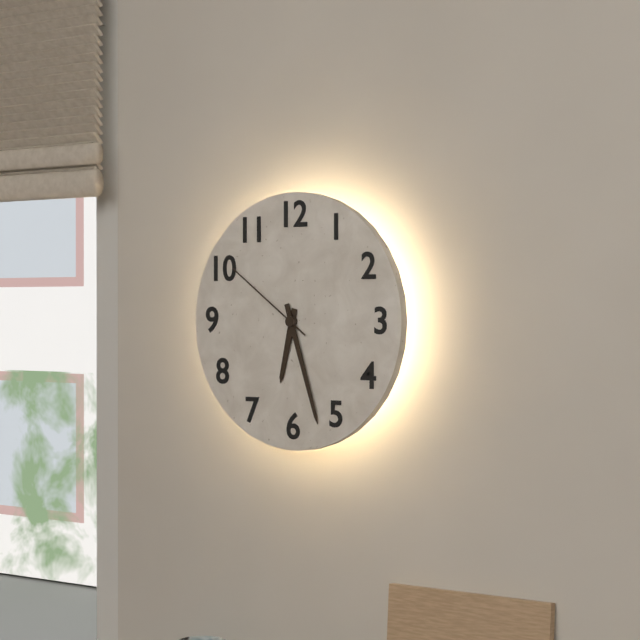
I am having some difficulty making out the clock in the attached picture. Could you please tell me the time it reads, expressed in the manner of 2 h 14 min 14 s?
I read 6 h 27 min 51 s
